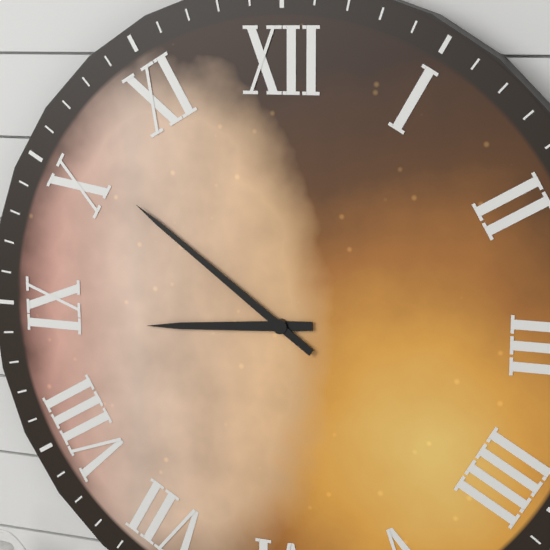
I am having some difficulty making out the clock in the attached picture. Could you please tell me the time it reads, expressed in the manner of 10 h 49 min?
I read 8 h 51 min
